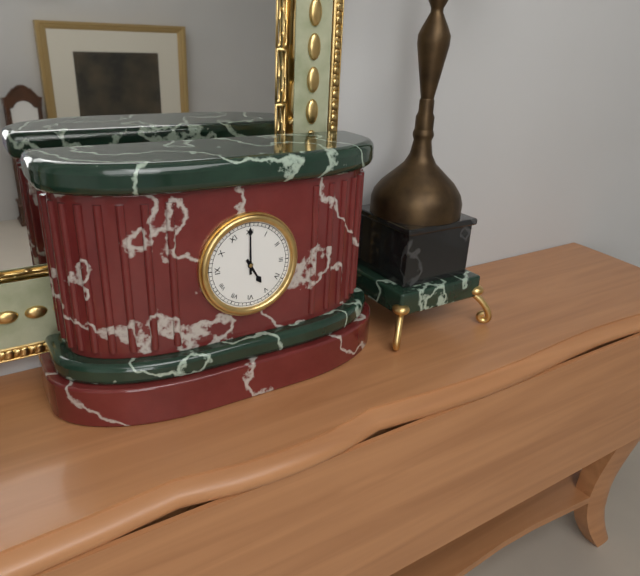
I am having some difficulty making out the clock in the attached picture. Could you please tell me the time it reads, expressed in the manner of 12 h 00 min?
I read 5 h 00 min
